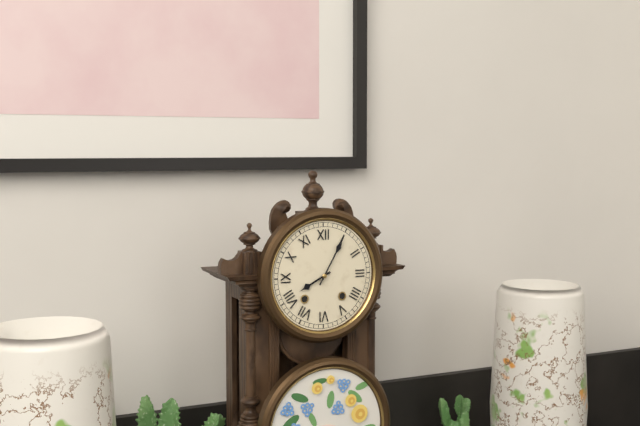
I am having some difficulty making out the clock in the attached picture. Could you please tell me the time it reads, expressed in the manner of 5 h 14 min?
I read 8 h 05 min
